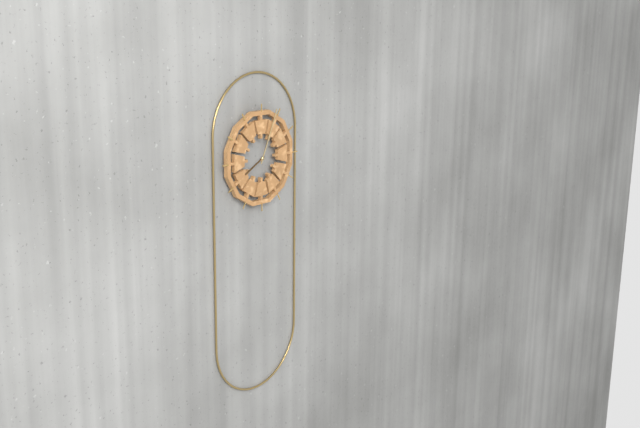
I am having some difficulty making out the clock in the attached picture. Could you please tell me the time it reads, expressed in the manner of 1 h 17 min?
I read 8 h 04 min
